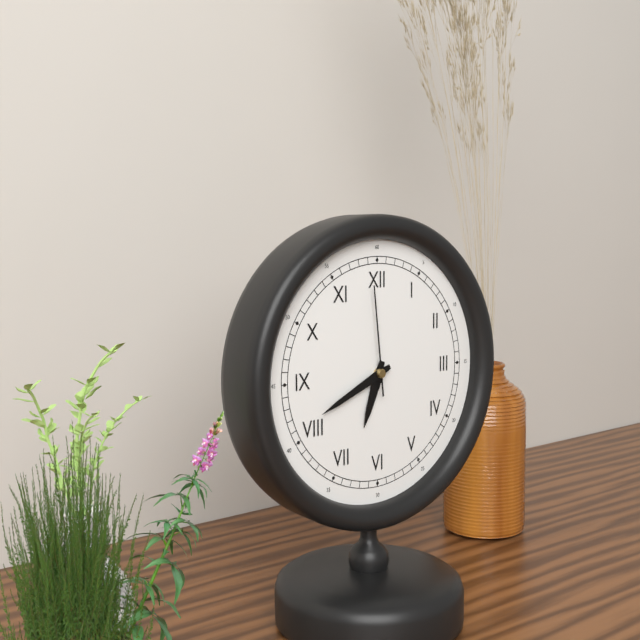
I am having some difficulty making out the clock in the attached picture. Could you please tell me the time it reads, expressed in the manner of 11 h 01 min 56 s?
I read 6 h 41 min 59 s
